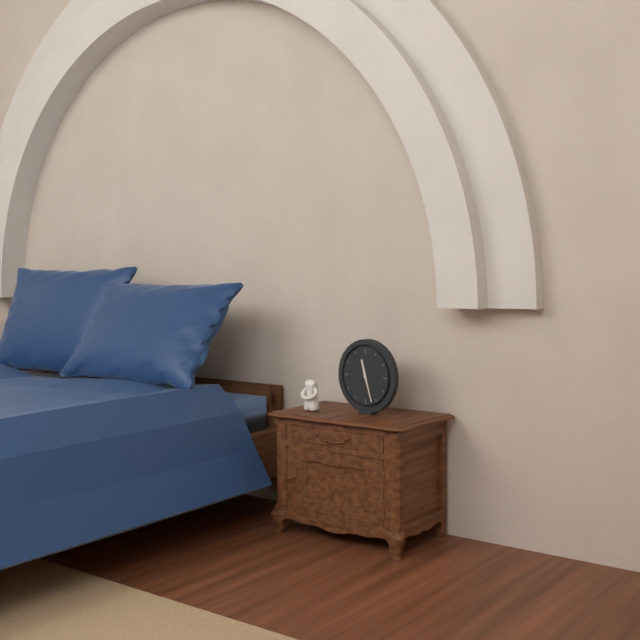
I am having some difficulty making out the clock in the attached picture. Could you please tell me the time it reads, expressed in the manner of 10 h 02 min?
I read 11 h 27 min
